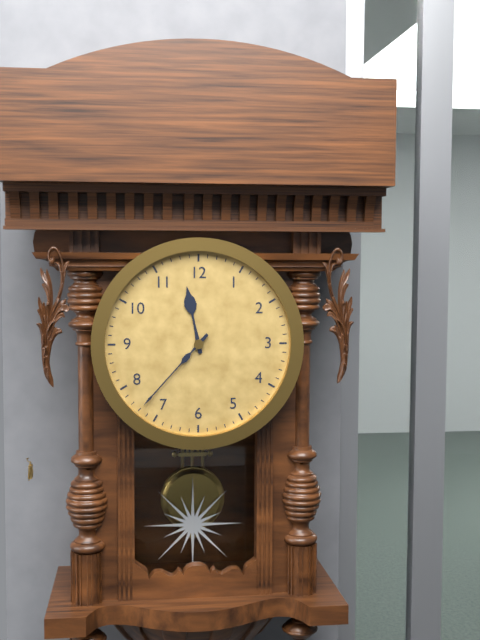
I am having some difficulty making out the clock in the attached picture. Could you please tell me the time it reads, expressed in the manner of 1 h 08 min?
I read 11 h 37 min
